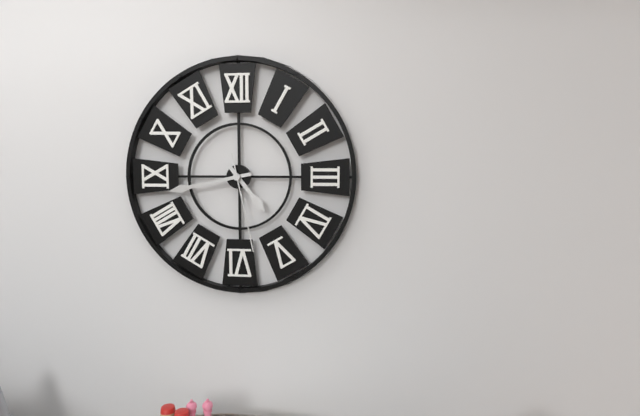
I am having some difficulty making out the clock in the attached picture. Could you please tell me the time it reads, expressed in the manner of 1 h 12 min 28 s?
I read 4 h 43 min 28 s
